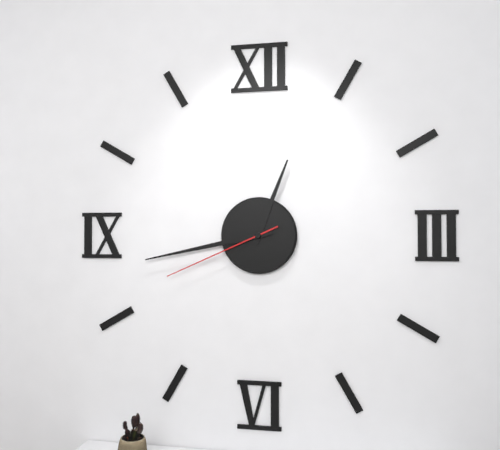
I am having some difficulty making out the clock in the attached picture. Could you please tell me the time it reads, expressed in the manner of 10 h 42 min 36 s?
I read 12 h 43 min 41 s
